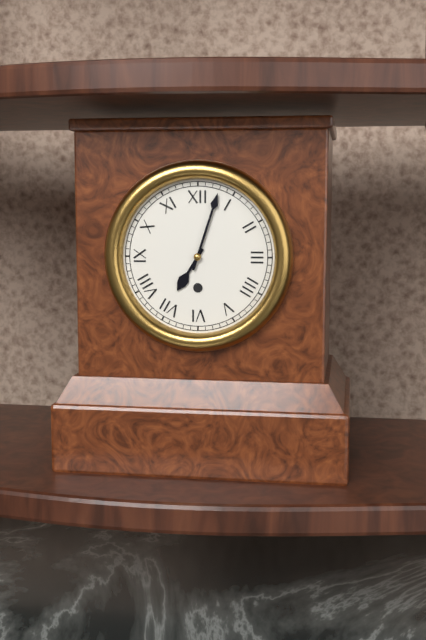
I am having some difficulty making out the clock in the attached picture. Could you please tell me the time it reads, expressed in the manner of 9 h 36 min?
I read 7 h 03 min
